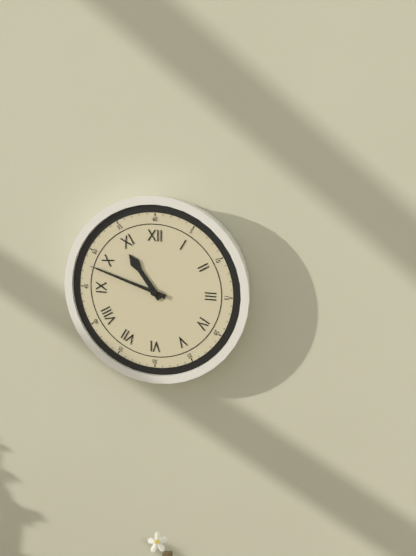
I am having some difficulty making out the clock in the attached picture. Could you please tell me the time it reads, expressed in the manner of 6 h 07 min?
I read 10 h 48 min
